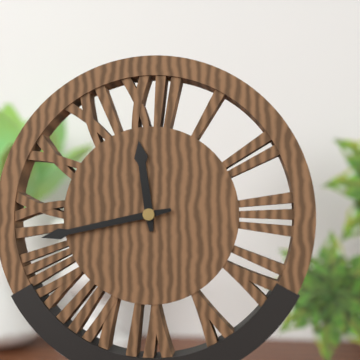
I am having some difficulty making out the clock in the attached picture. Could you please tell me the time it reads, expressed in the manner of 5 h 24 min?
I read 11 h 43 min
